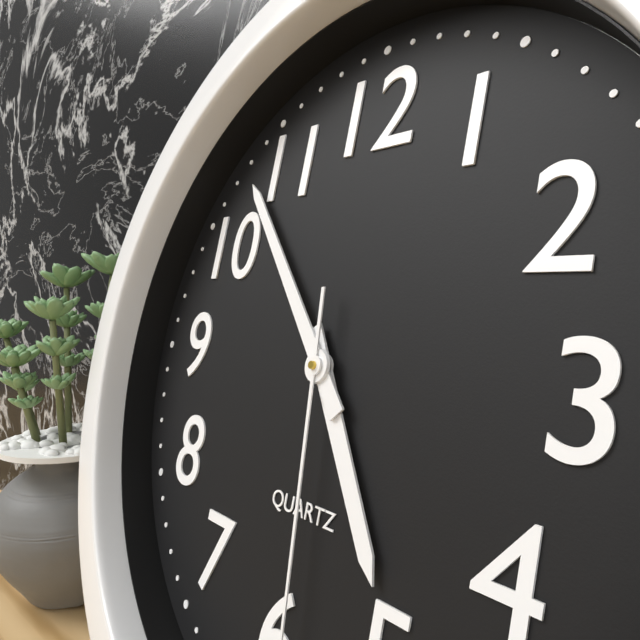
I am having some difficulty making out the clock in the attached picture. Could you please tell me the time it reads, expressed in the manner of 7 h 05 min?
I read 4 h 53 min
